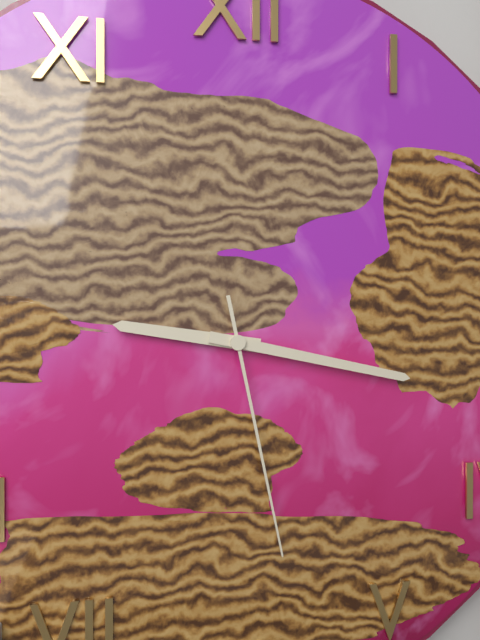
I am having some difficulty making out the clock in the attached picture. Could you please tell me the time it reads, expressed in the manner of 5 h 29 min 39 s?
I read 9 h 17 min 28 s
